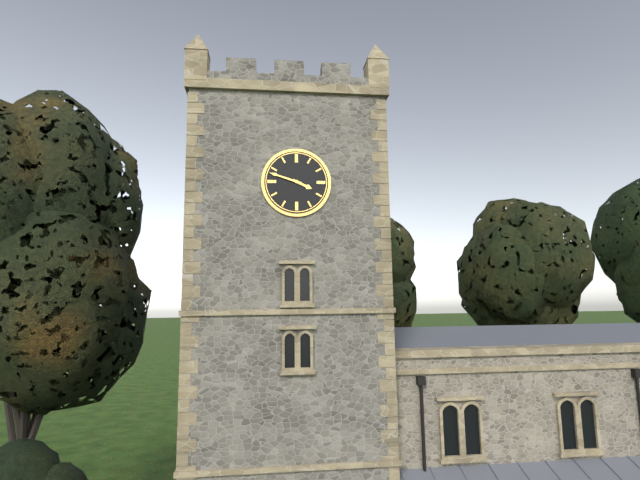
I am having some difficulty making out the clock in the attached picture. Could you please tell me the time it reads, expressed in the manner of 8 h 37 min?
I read 3 h 48 min
